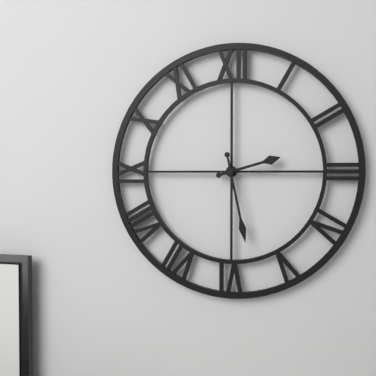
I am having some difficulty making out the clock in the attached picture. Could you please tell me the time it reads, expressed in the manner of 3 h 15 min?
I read 2 h 28 min
